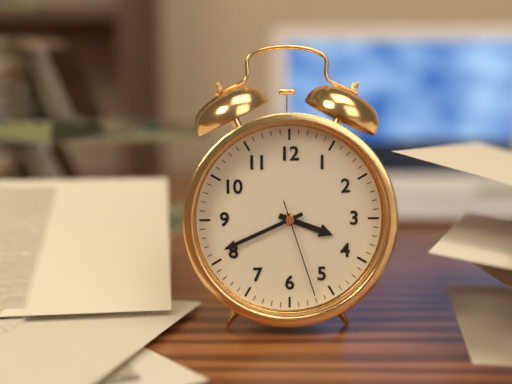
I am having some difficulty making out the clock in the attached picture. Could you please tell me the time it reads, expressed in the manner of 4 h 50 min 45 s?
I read 3 h 41 min 27 s
